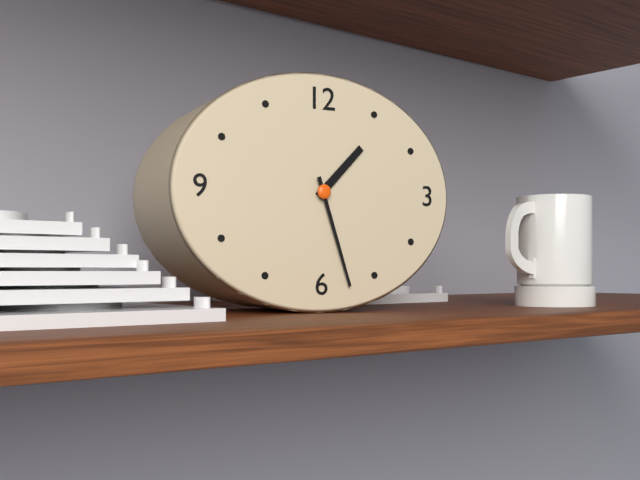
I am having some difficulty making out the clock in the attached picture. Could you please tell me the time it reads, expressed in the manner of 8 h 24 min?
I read 1 h 27 min
